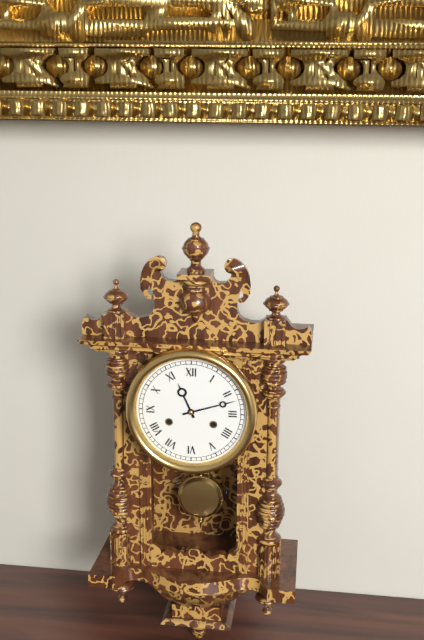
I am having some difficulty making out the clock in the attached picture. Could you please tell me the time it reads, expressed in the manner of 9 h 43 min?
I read 11 h 12 min
